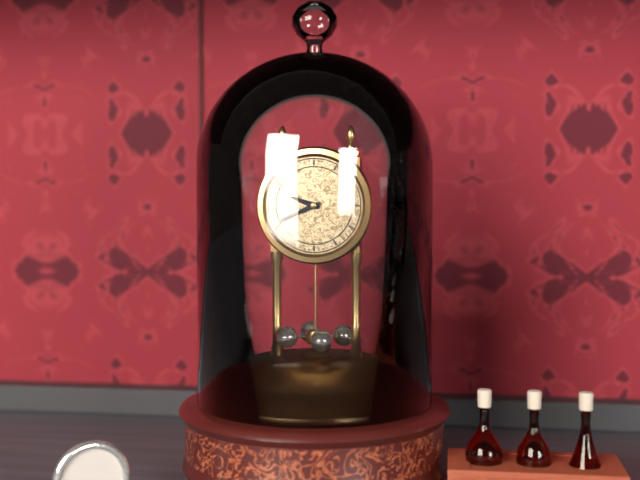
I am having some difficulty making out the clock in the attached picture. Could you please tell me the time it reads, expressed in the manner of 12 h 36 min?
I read 9 h 41 min
